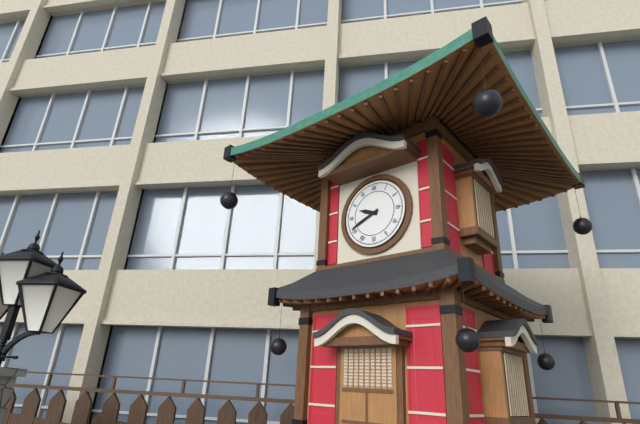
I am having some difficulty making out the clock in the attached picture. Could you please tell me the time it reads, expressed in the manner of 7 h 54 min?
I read 9 h 41 min
